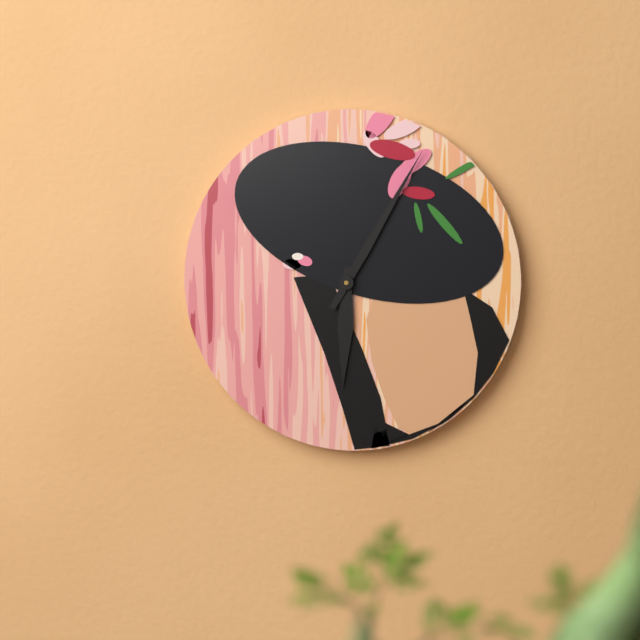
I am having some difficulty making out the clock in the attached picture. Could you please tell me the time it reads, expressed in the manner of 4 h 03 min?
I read 6 h 05 min
